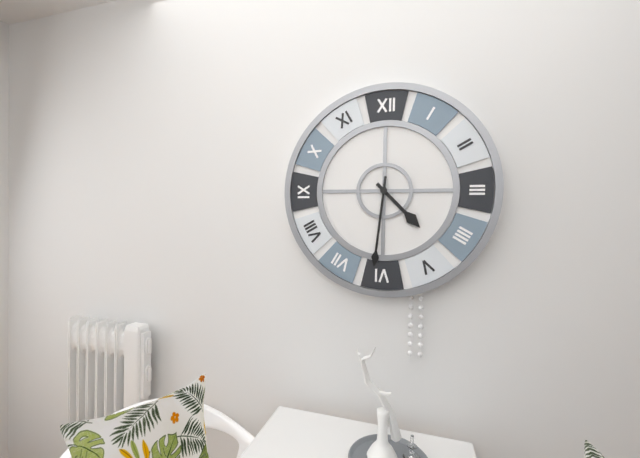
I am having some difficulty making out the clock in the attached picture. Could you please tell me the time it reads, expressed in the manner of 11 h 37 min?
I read 4 h 31 min
